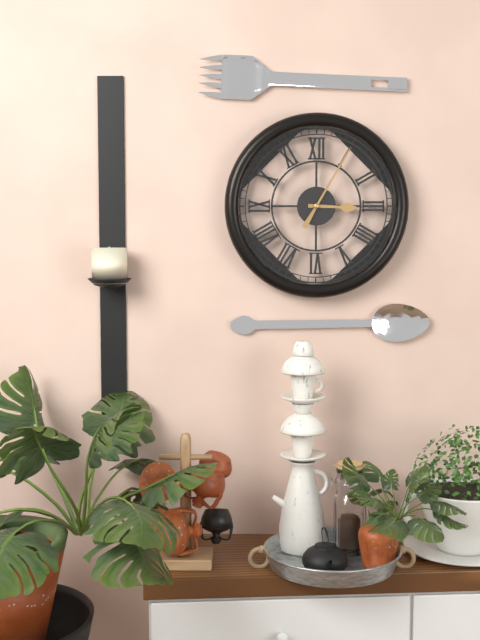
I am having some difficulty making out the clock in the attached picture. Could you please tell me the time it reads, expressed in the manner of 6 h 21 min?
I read 3 h 05 min
